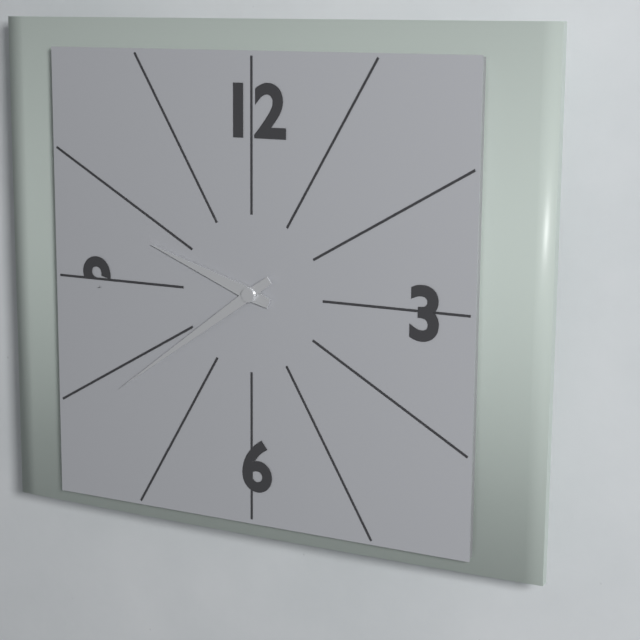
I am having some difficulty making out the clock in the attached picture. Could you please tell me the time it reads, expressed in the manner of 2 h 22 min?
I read 9 h 39 min
